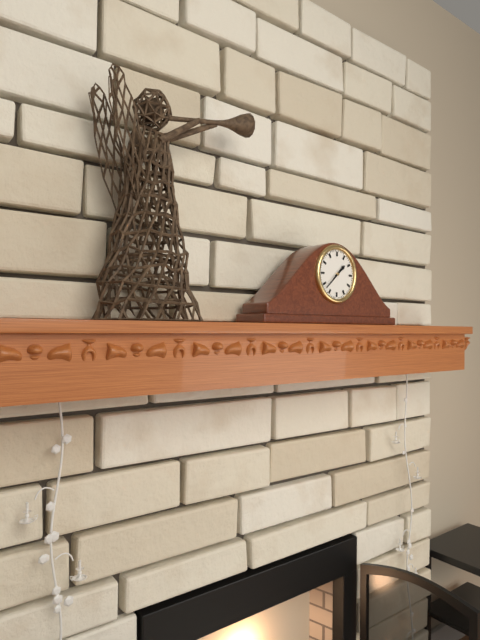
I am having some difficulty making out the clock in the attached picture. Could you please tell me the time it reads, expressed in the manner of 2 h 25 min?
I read 1 h 38 min
